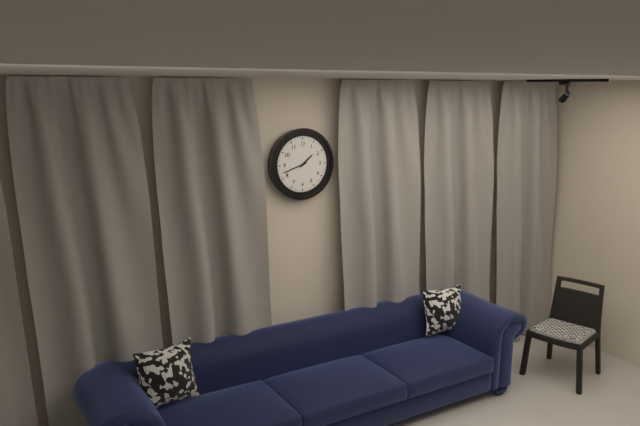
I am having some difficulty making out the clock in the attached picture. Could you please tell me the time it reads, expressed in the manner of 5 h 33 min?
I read 1 h 42 min
